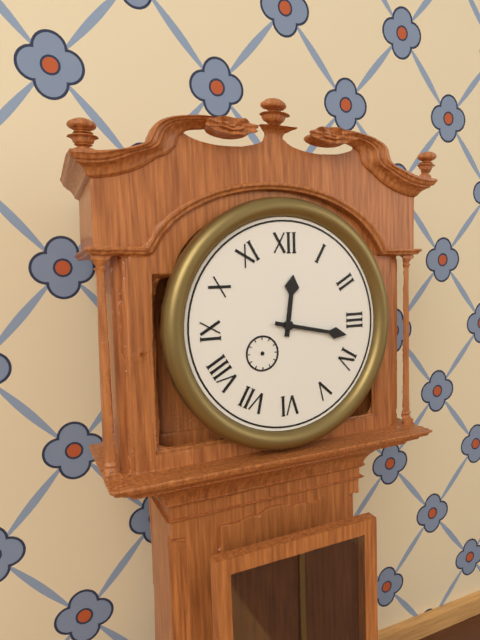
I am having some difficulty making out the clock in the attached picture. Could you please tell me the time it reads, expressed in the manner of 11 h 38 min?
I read 12 h 17 min
